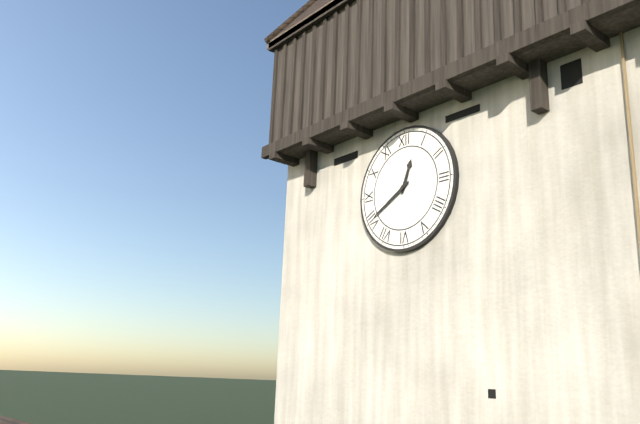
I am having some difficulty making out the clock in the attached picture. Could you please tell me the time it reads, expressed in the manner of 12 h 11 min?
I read 12 h 40 min
